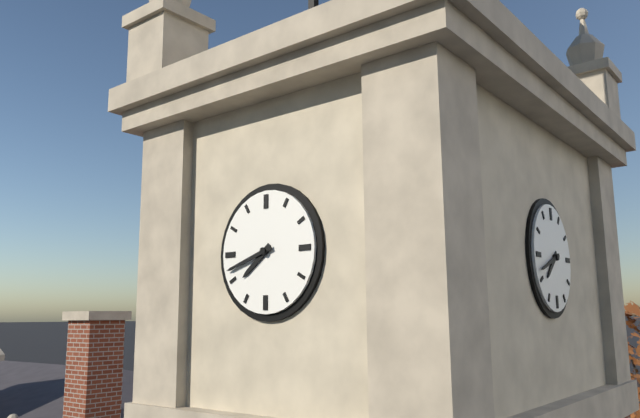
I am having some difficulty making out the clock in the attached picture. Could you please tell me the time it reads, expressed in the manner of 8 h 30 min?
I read 7 h 42 min
